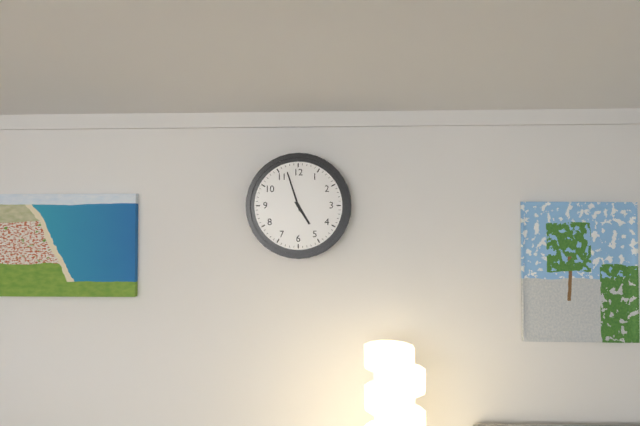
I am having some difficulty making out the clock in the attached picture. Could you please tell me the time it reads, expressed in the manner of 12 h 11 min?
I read 4 h 57 min
